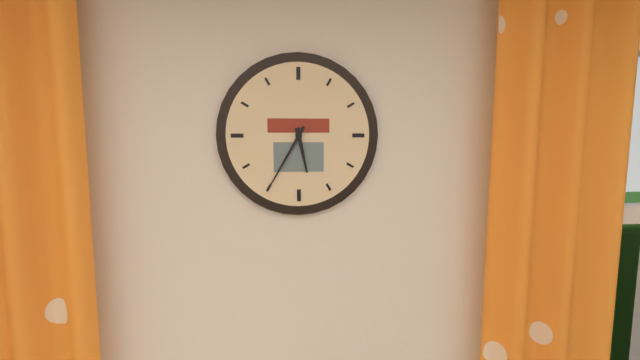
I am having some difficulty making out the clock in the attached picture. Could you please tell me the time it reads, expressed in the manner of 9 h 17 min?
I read 5 h 35 min
